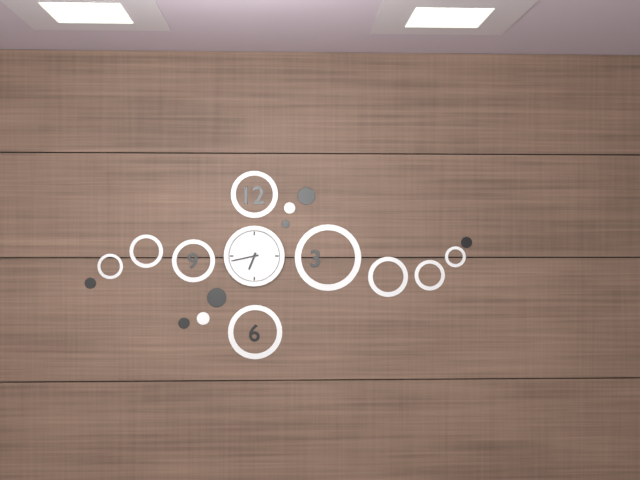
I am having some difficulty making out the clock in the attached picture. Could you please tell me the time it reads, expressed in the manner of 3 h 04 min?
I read 6 h 43 min
